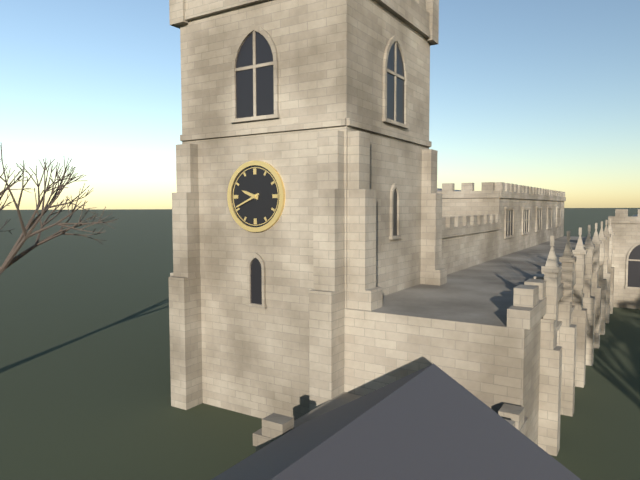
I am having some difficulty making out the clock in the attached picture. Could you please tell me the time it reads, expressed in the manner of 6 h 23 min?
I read 9 h 41 min
